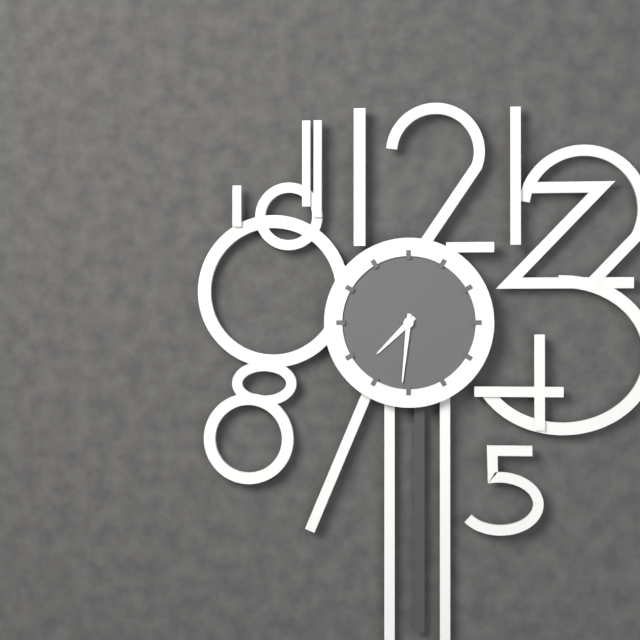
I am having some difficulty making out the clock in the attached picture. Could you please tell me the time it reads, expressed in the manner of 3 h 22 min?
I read 7 h 31 min
